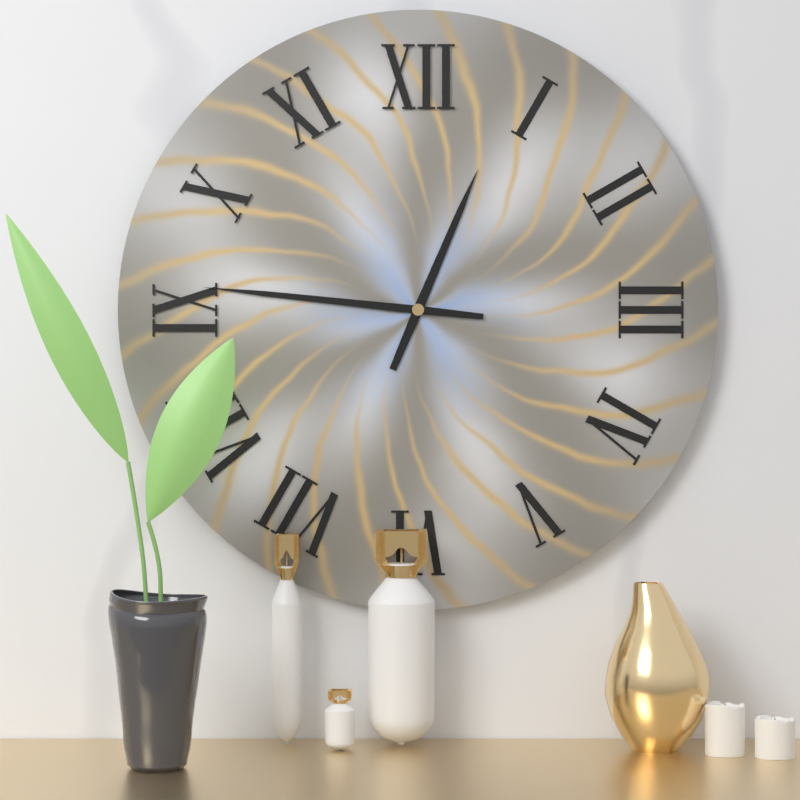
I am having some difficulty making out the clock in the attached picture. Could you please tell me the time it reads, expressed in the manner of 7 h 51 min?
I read 12 h 46 min
